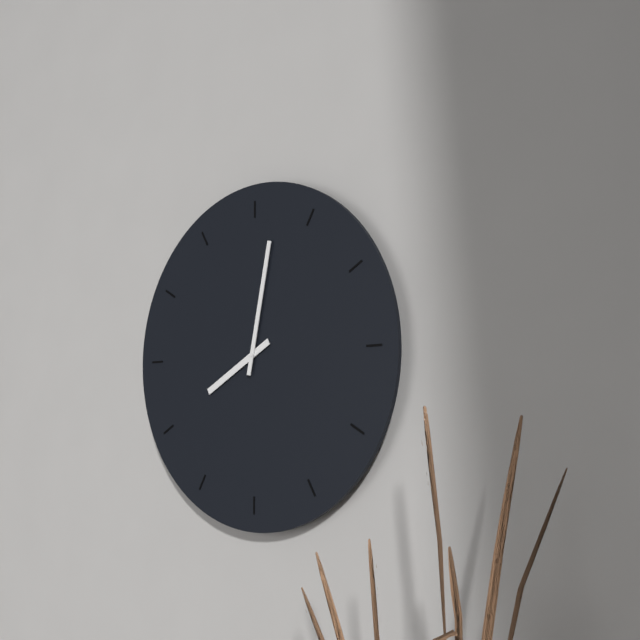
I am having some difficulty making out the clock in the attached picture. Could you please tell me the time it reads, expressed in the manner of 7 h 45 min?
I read 8 h 02 min
